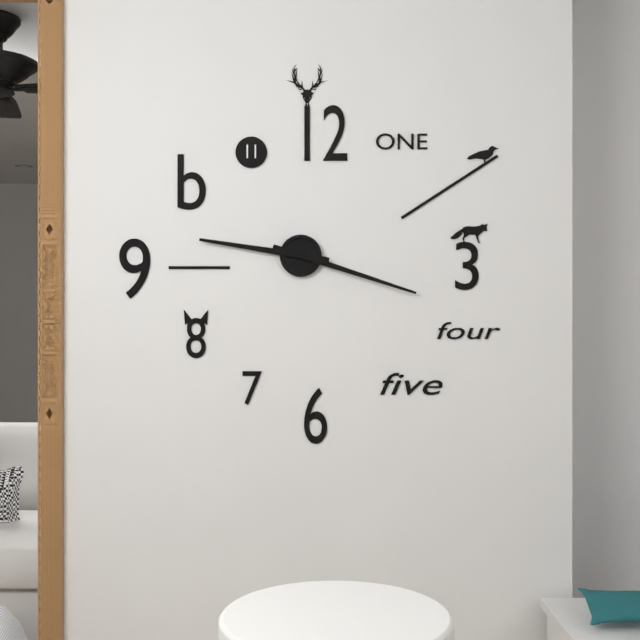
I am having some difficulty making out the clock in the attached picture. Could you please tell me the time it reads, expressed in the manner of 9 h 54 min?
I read 9 h 18 min
